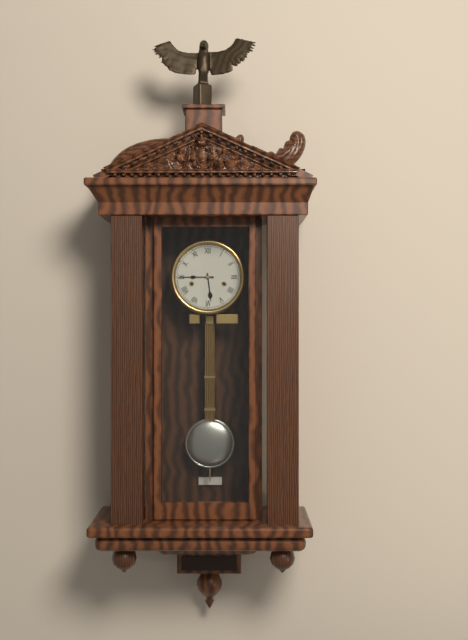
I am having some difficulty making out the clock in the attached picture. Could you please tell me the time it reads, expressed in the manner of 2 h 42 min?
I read 5 h 45 min
